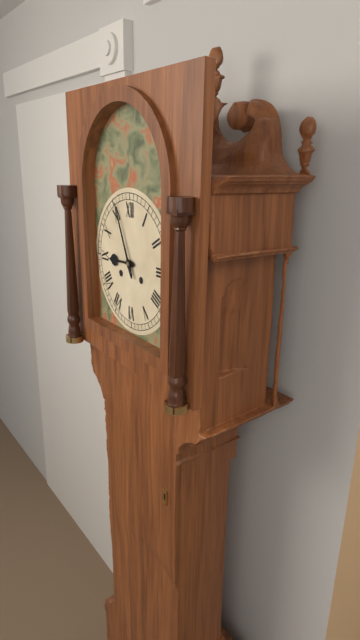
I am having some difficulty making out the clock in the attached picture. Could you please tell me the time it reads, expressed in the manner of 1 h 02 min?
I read 8 h 56 min
